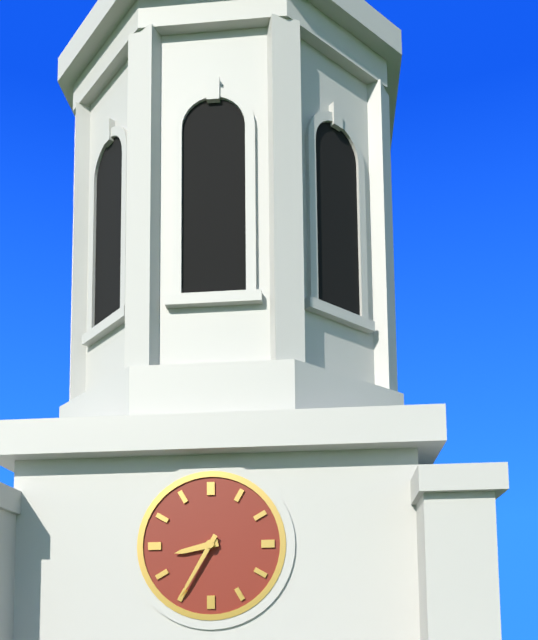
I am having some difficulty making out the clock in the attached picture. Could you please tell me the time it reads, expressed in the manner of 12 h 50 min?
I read 8 h 35 min
